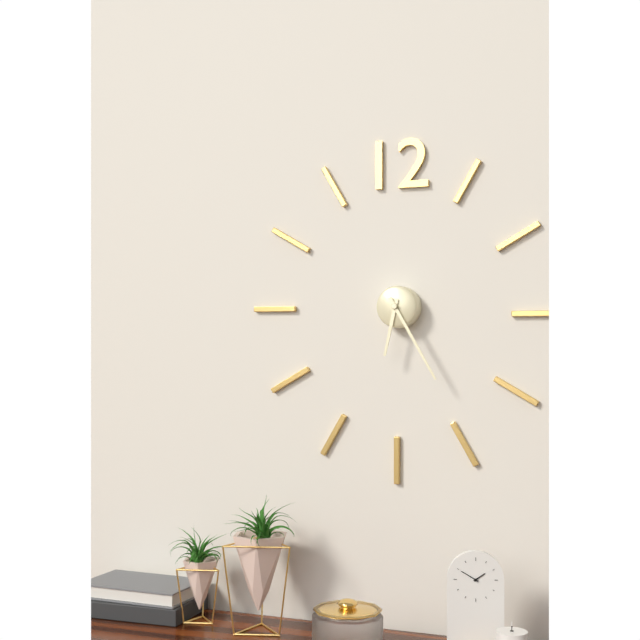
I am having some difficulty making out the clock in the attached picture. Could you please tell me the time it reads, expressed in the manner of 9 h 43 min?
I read 6 h 25 min
